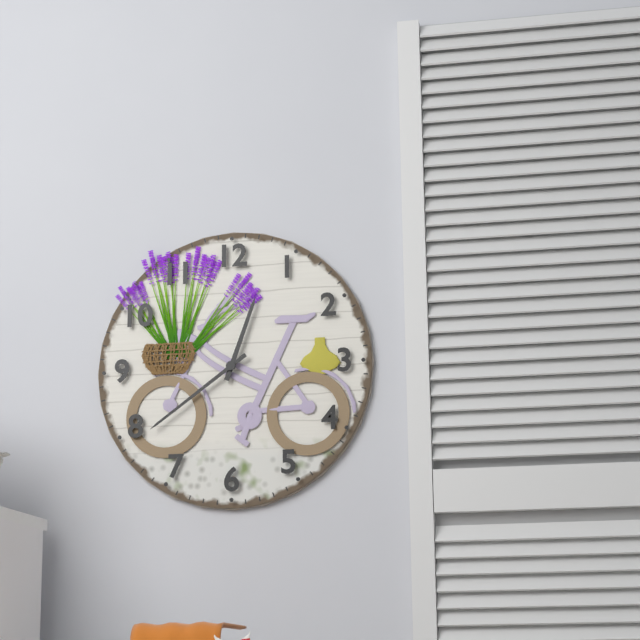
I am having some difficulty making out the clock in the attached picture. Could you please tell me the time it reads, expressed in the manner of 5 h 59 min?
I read 12 h 39 min
